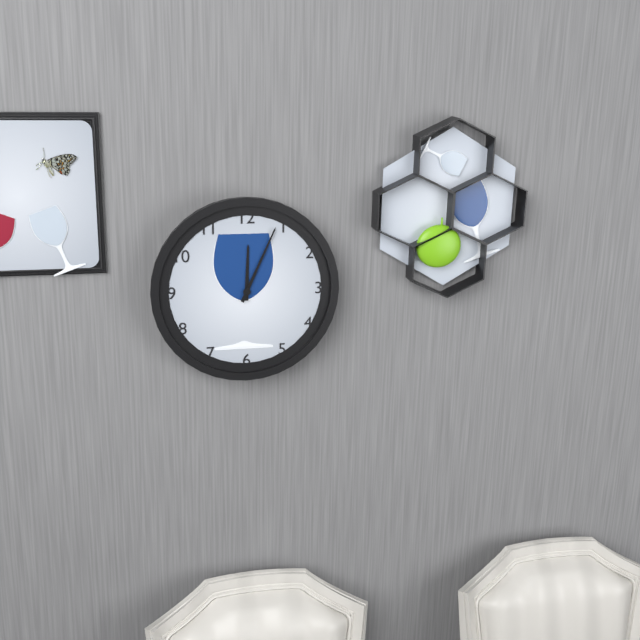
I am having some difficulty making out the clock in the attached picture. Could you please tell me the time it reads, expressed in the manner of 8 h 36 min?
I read 12 h 04 min
